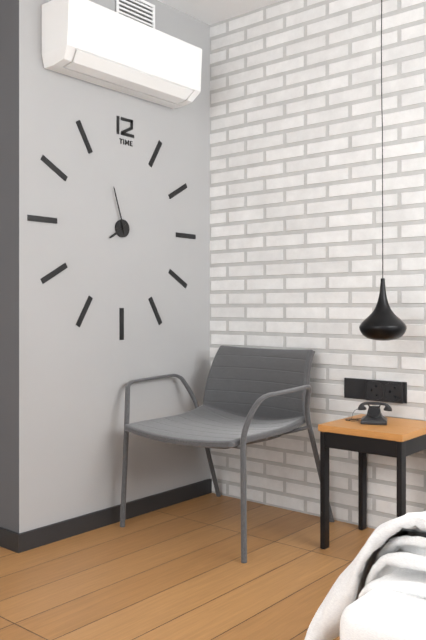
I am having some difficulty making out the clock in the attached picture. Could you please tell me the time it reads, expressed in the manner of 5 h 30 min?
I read 7 h 57 min
